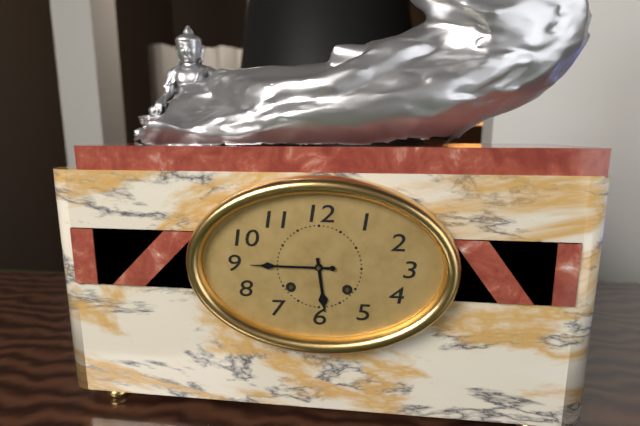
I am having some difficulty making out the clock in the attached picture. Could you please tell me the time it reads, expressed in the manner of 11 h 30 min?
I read 5 h 45 min
